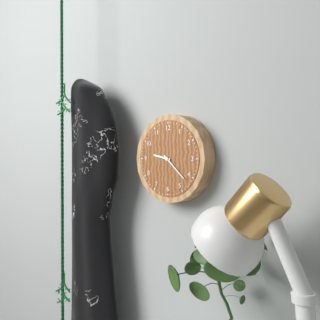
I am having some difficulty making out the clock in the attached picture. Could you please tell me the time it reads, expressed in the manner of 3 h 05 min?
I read 9 h 22 min
